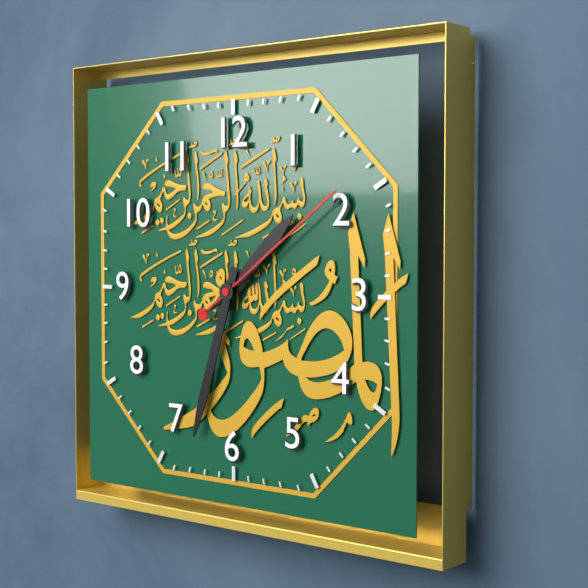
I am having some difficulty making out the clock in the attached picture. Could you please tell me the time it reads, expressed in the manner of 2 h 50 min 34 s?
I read 1 h 33 min 09 s
